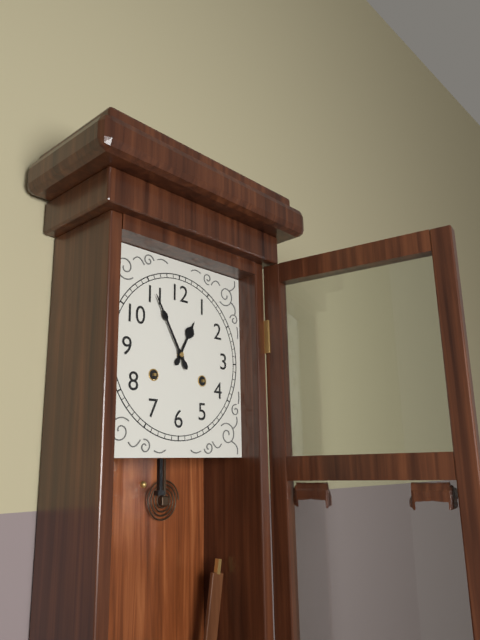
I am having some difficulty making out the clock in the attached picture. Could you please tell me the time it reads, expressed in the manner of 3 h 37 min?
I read 12 h 55 min
